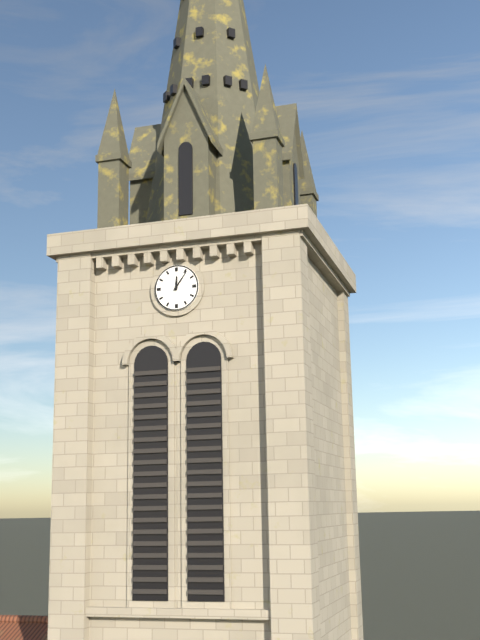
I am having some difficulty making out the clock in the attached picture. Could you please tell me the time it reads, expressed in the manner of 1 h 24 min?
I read 12 h 06 min
